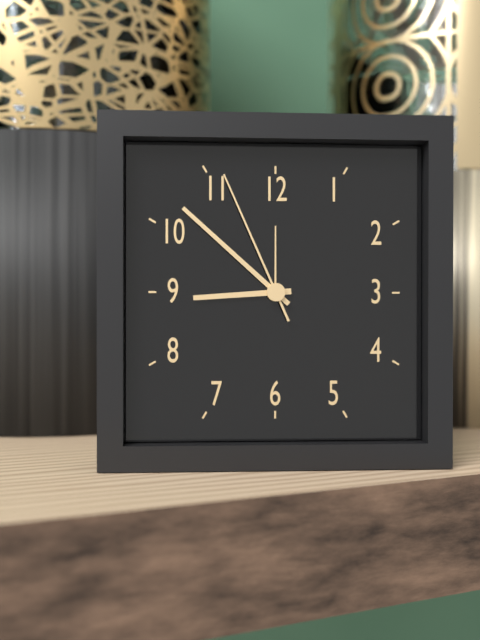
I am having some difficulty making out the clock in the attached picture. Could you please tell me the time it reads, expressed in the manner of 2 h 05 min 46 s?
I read 8 h 52 min 56 s
